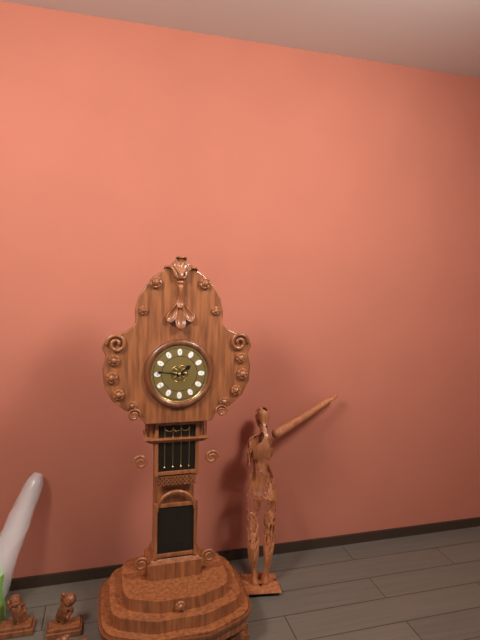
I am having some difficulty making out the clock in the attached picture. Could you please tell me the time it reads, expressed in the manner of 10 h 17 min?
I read 1 h 46 min
